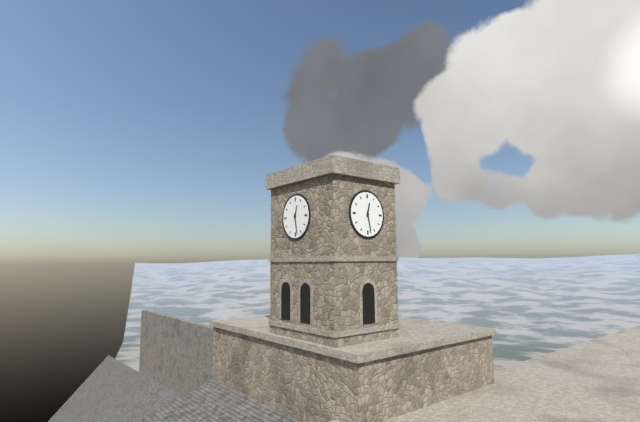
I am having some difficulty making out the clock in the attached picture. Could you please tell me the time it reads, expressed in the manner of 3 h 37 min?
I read 12 h 28 min
